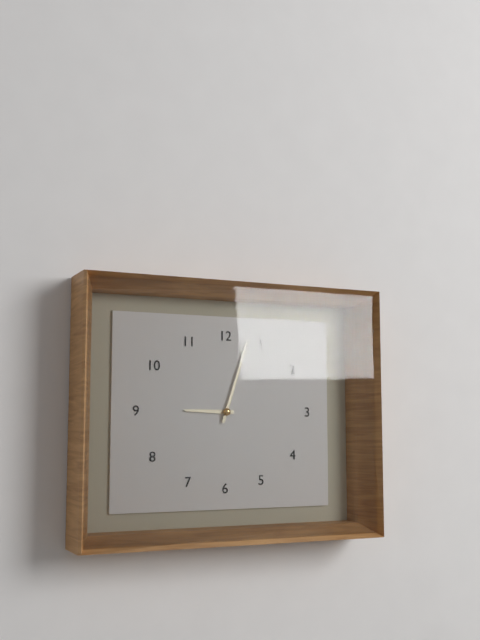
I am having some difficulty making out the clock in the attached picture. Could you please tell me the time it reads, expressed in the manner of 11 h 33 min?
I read 9 h 03 min
